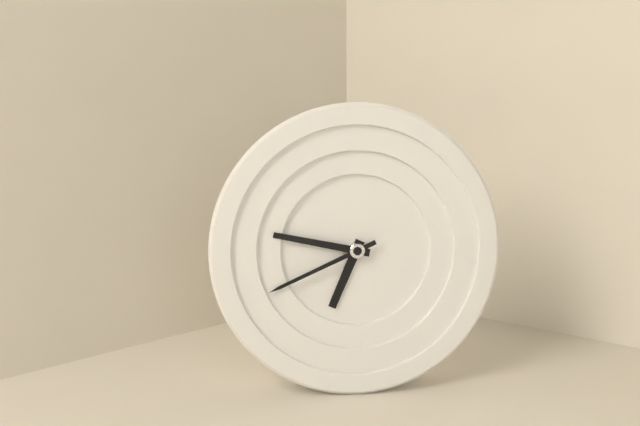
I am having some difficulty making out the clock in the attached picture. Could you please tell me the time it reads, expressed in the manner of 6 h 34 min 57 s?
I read 6 h 47 min 41 s
